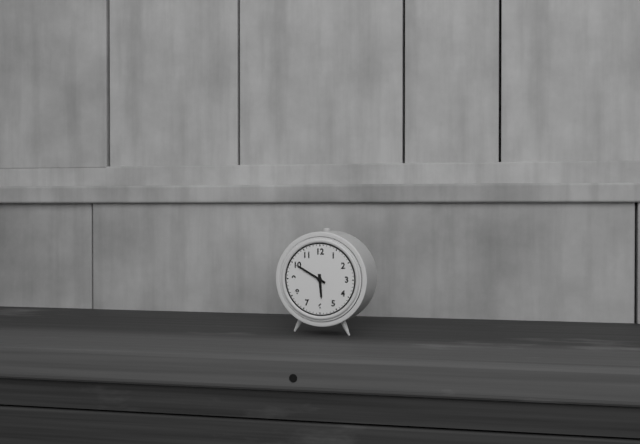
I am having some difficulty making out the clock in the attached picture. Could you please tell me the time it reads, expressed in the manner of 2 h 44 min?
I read 5 h 50 min
